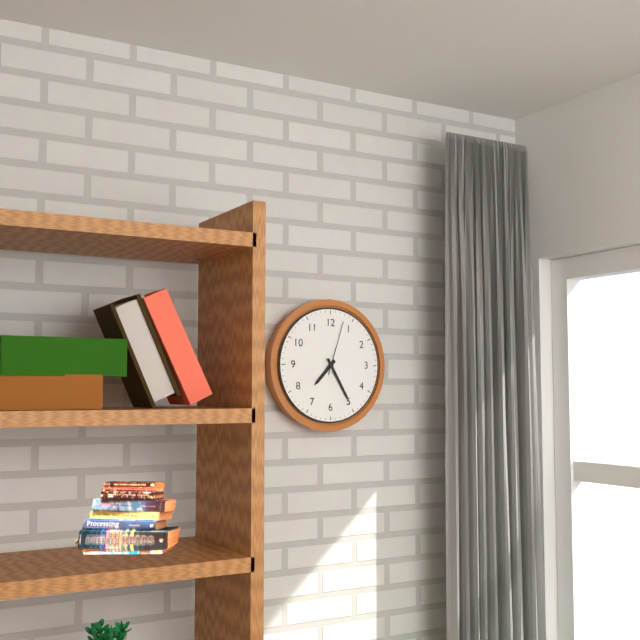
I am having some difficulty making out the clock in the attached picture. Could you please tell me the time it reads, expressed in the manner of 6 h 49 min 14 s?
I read 7 h 25 min 03 s
